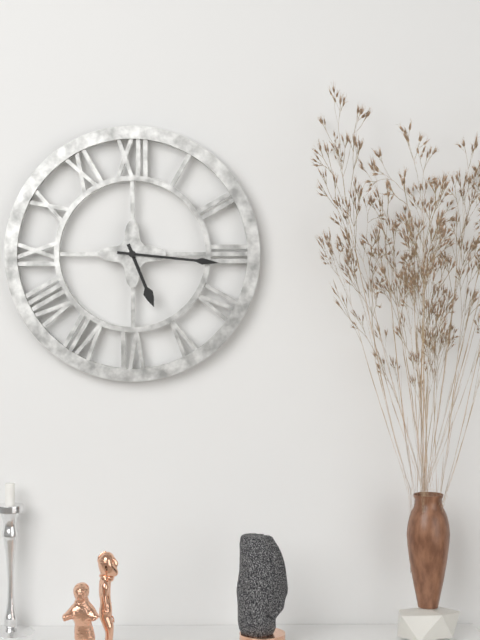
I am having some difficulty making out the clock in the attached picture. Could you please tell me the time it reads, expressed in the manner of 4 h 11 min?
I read 5 h 16 min
